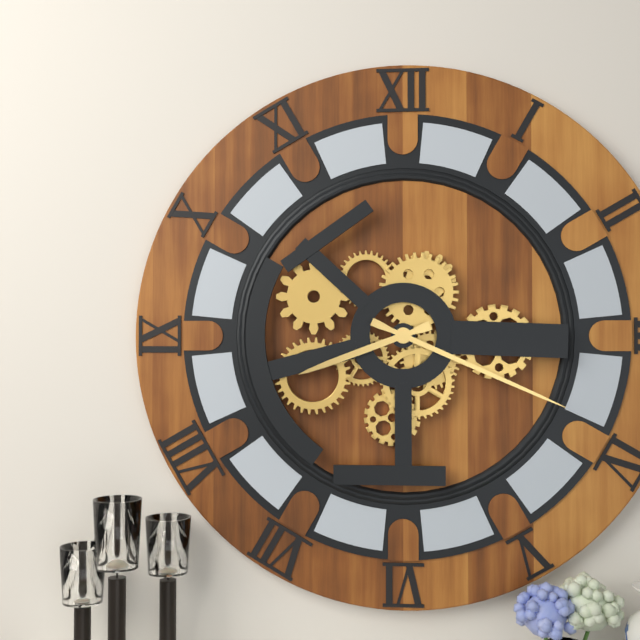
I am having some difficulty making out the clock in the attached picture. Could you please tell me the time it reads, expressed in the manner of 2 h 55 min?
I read 8 h 19 min
